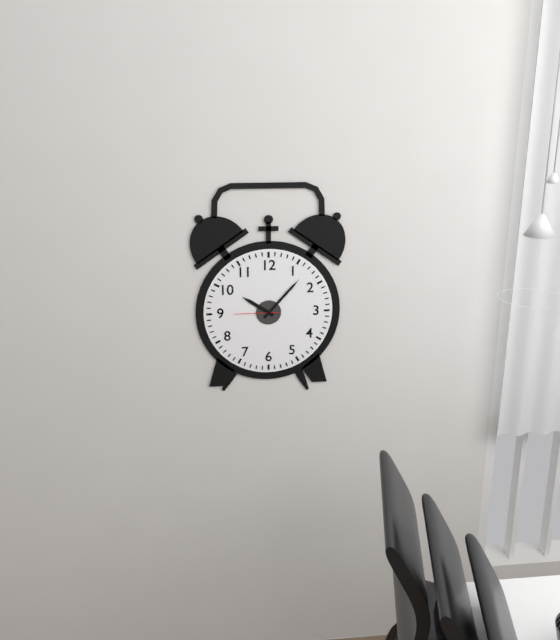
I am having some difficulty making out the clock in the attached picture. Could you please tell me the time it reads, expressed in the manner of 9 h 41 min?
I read 10 h 07 min
